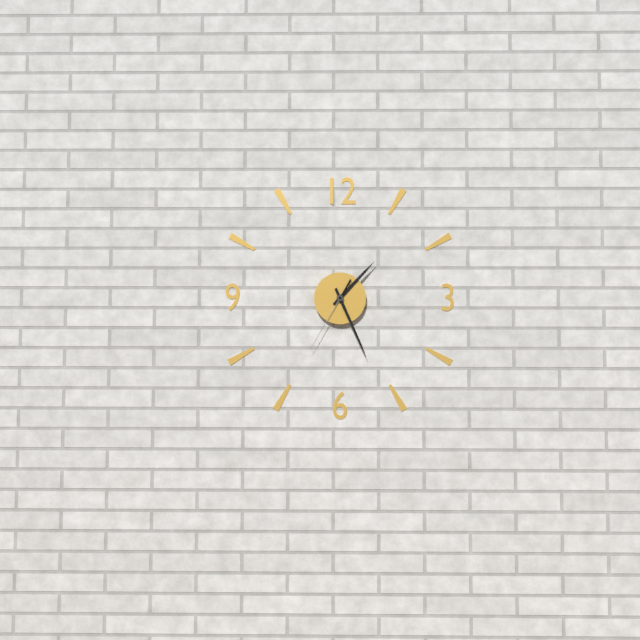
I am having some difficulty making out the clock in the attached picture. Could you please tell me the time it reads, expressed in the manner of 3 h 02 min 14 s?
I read 1 h 26 min 35 s
